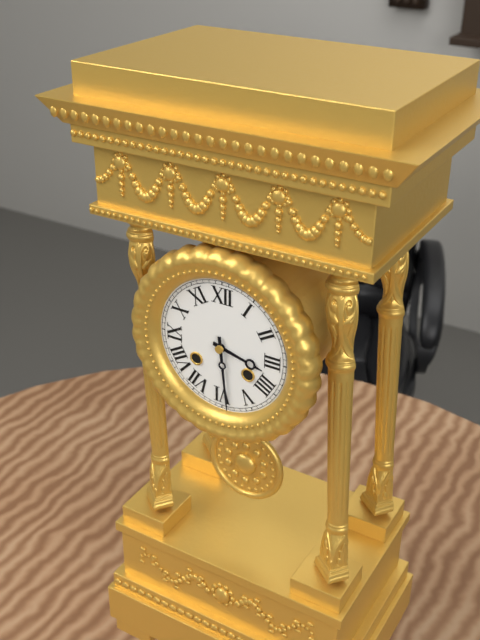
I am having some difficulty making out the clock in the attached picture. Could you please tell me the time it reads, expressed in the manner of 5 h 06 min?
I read 3 h 29 min
